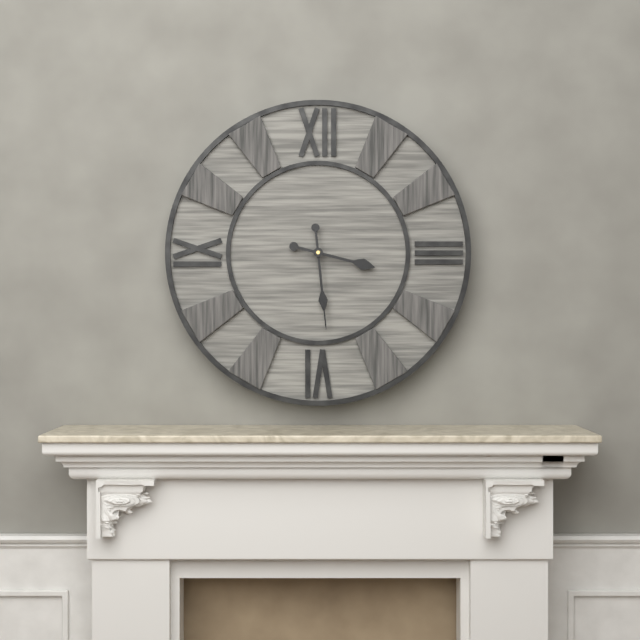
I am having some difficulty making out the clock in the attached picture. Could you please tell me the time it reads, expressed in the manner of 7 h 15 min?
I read 3 h 29 min
